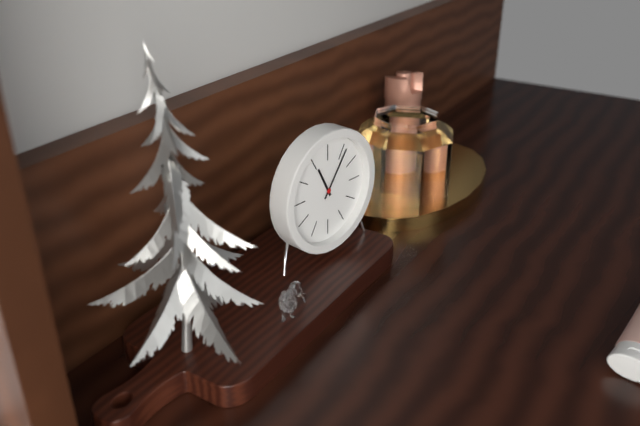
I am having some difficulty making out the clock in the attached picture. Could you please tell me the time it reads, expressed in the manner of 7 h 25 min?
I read 11 h 06 min
